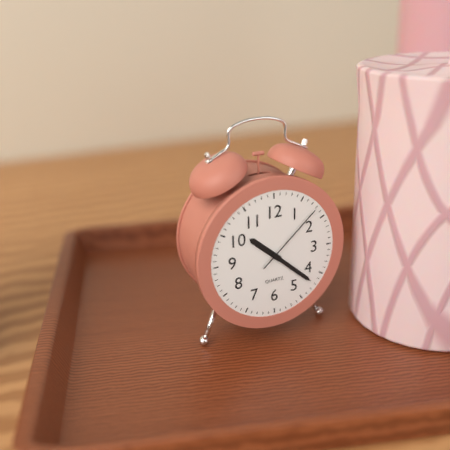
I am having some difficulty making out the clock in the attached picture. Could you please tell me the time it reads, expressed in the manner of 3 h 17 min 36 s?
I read 10 h 22 min 08 s
